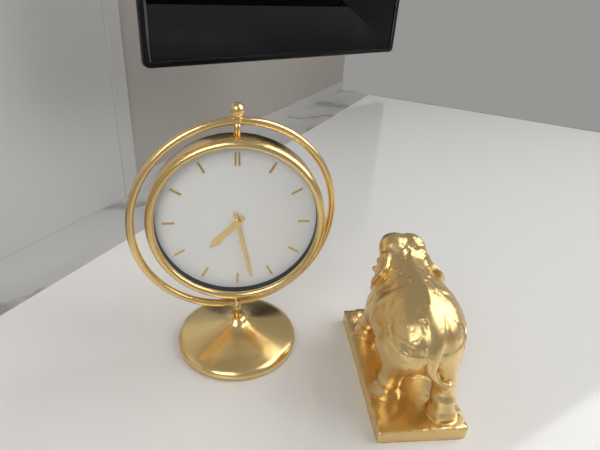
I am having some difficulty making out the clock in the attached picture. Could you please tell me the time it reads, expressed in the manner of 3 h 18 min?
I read 7 h 28 min
